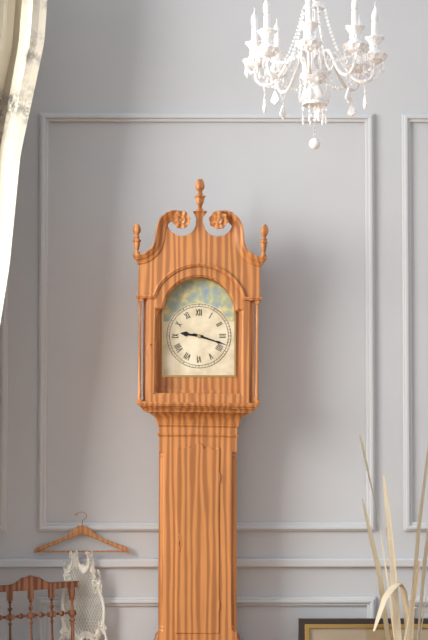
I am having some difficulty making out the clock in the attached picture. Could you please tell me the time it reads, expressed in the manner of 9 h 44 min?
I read 9 h 18 min
